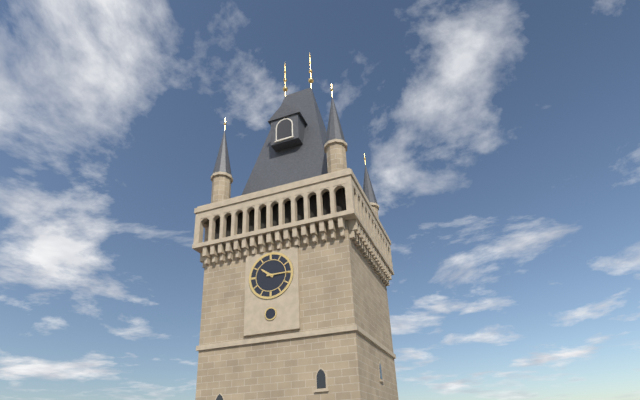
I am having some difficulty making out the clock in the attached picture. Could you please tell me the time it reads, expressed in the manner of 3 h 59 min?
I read 10 h 15 min
